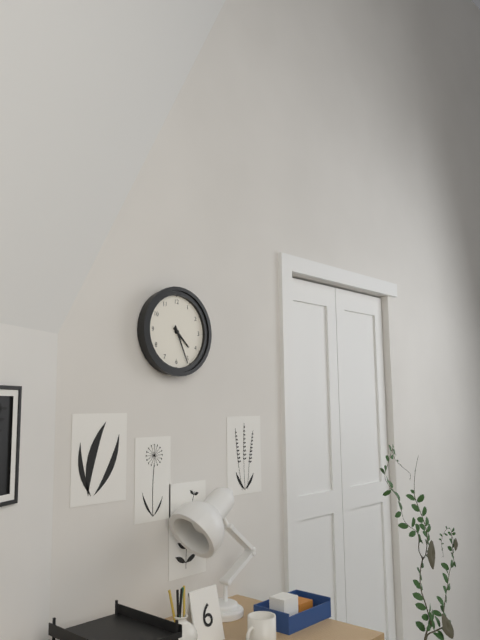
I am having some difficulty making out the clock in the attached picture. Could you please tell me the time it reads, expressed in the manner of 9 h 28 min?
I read 4 h 26 min
